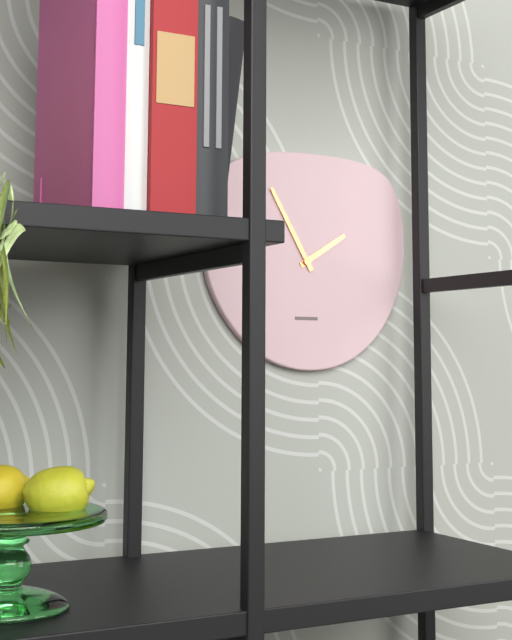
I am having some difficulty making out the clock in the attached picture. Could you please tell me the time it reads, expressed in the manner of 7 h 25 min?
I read 1 h 55 min
